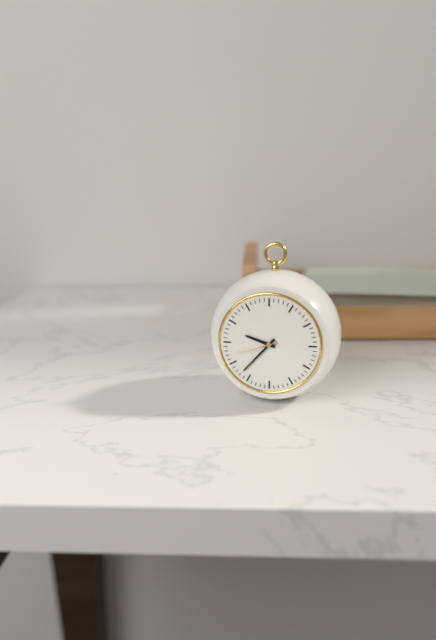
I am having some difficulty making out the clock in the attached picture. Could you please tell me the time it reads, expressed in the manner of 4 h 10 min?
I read 9 h 37 min
